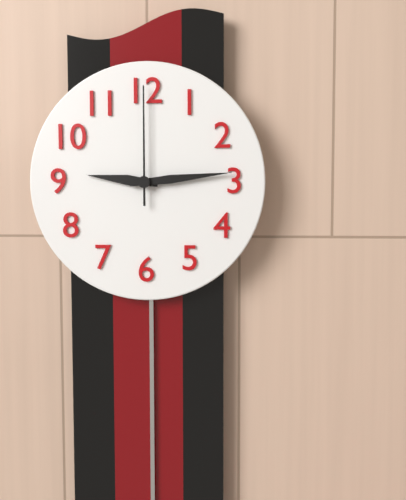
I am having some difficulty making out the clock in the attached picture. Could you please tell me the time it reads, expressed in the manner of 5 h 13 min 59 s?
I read 9 h 14 min 00 s
